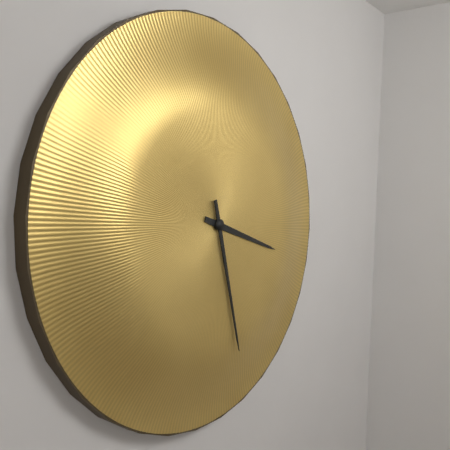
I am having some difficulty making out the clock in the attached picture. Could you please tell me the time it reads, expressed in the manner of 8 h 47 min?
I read 3 h 27 min
